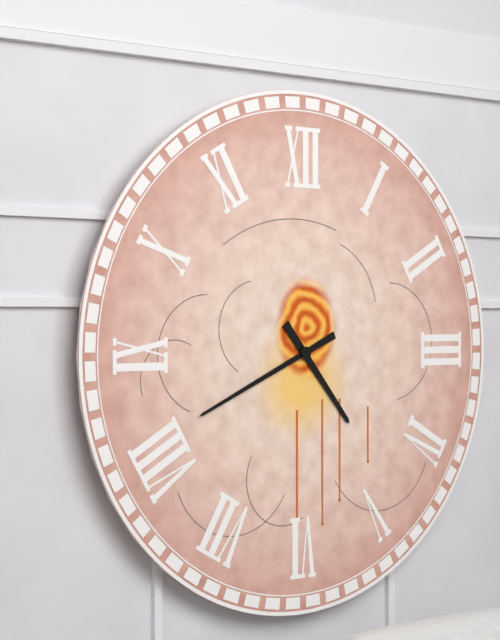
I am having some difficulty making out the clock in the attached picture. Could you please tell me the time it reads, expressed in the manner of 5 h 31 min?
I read 4 h 41 min
